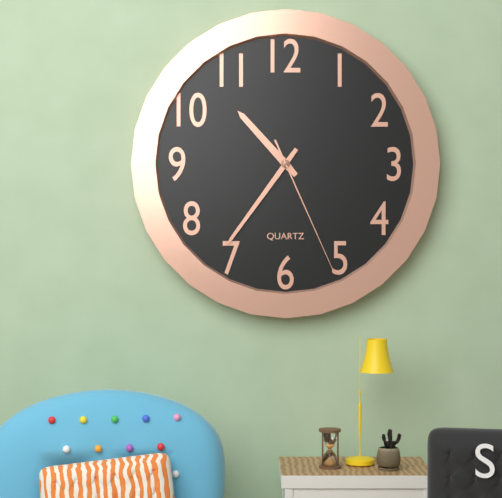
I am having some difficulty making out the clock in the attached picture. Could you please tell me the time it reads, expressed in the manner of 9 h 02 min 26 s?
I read 10 h 36 min 26 s
